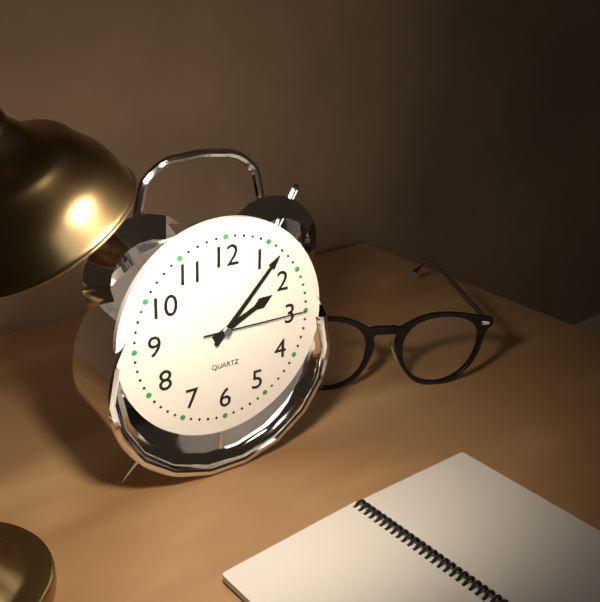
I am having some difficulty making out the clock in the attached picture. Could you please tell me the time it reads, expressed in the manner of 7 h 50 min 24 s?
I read 2 h 07 min 15 s
